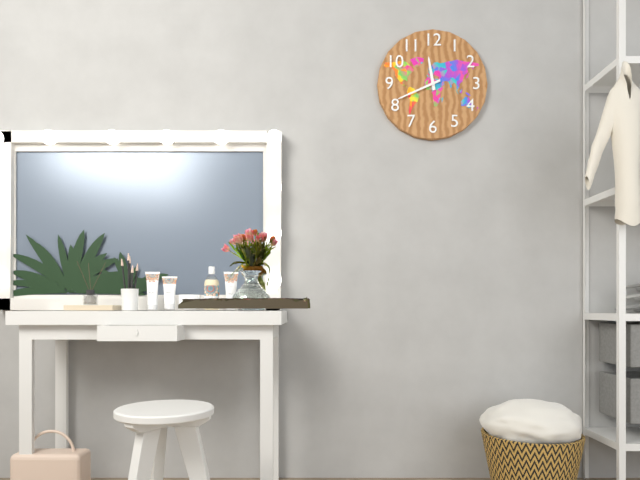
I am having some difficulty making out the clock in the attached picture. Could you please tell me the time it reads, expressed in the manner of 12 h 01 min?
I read 11 h 41 min
